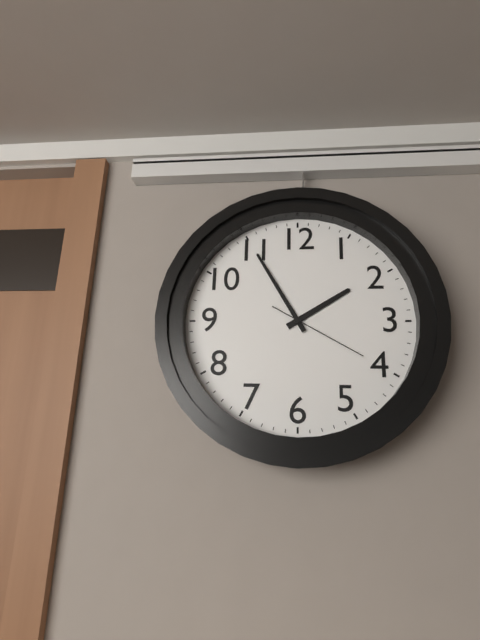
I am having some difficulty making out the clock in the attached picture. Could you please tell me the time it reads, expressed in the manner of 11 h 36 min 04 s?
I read 1 h 55 min 20 s
